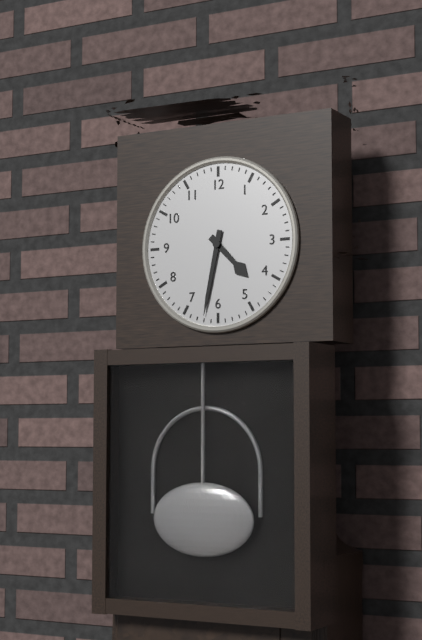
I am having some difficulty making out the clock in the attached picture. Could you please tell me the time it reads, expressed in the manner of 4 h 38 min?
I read 4 h 32 min
